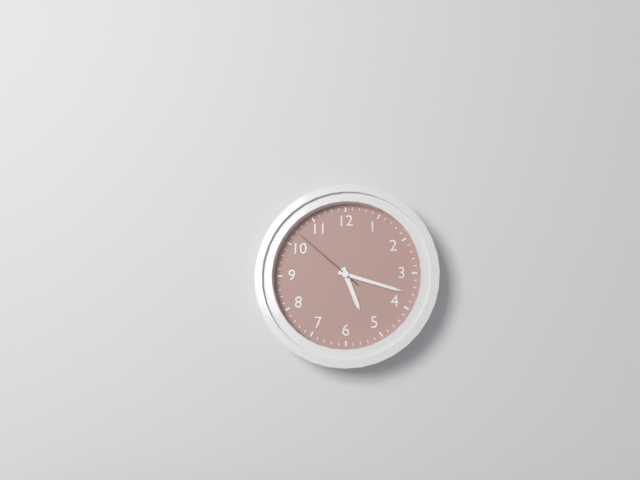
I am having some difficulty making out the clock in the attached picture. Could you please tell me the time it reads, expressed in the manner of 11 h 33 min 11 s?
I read 5 h 18 min 52 s
